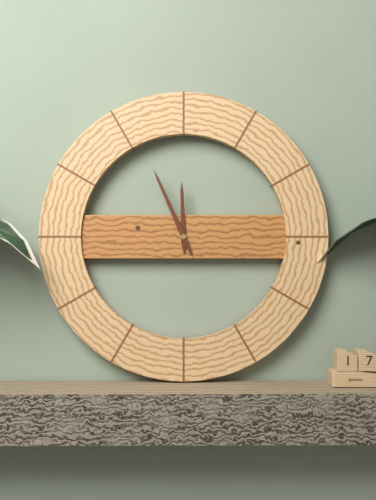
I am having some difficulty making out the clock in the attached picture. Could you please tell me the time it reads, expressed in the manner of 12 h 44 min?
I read 11 h 56 min
